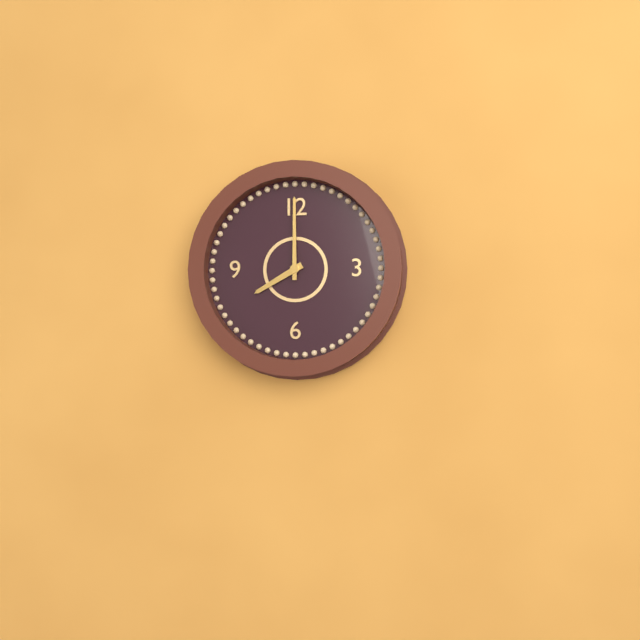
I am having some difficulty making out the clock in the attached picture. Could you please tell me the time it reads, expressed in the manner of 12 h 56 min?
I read 8 h 00 min
